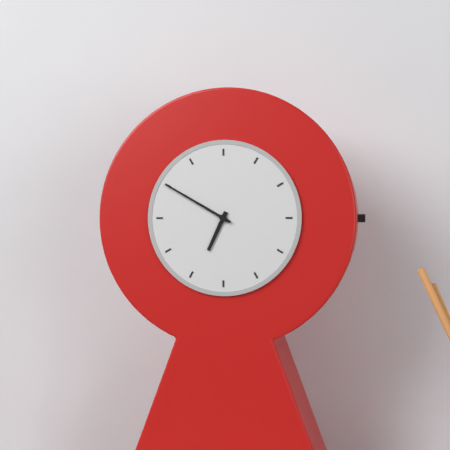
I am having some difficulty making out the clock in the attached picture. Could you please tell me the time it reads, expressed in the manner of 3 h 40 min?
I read 6 h 50 min
